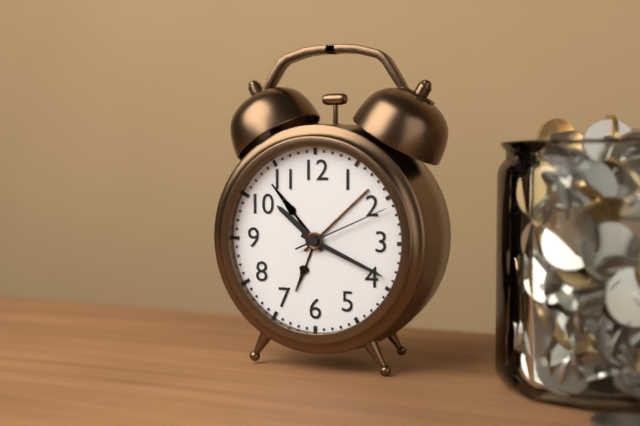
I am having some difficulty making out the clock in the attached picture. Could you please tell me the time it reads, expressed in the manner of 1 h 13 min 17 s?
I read 10 h 19 min 11 s
